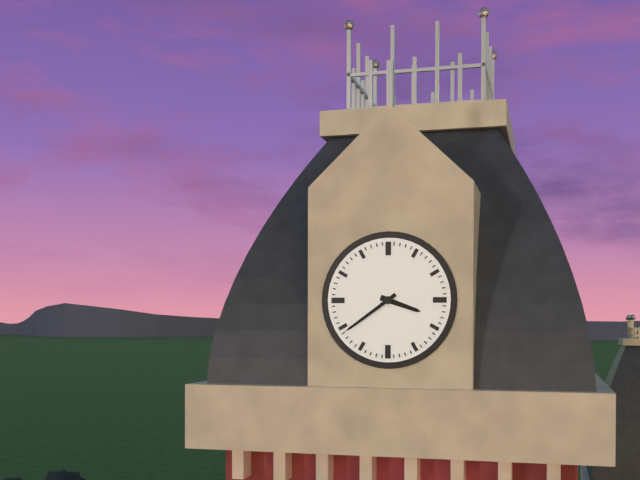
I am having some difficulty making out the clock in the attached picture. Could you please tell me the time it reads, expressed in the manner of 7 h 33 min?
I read 3 h 39 min
